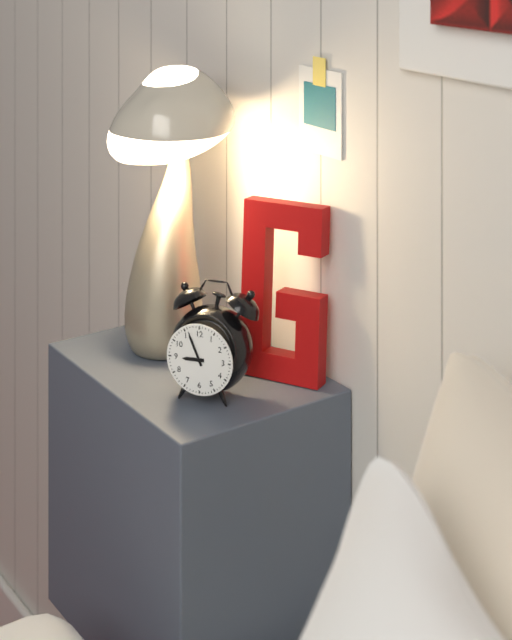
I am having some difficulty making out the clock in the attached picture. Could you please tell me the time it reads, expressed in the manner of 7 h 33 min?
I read 8 h 56 min
